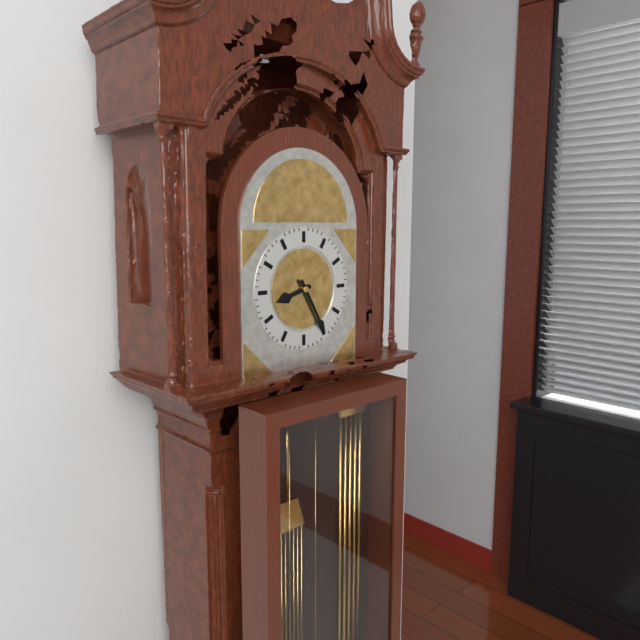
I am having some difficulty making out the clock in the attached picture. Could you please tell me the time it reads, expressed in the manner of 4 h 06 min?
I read 8 h 25 min
